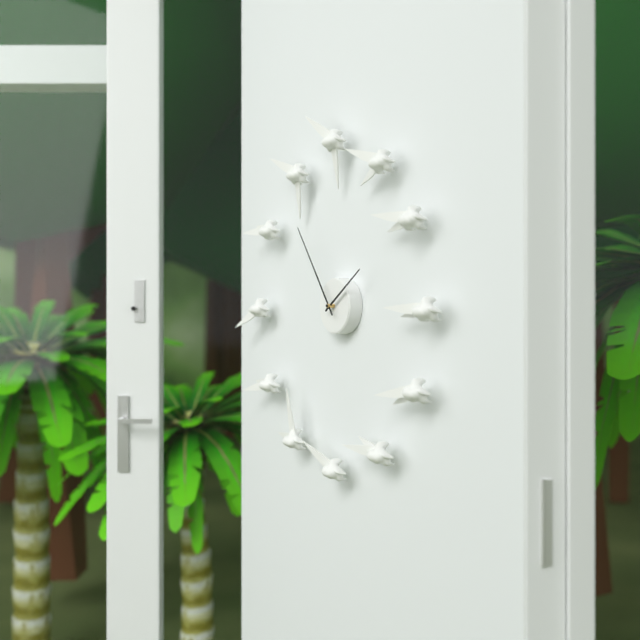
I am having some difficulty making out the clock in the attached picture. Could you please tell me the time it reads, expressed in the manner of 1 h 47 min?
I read 1 h 54 min
